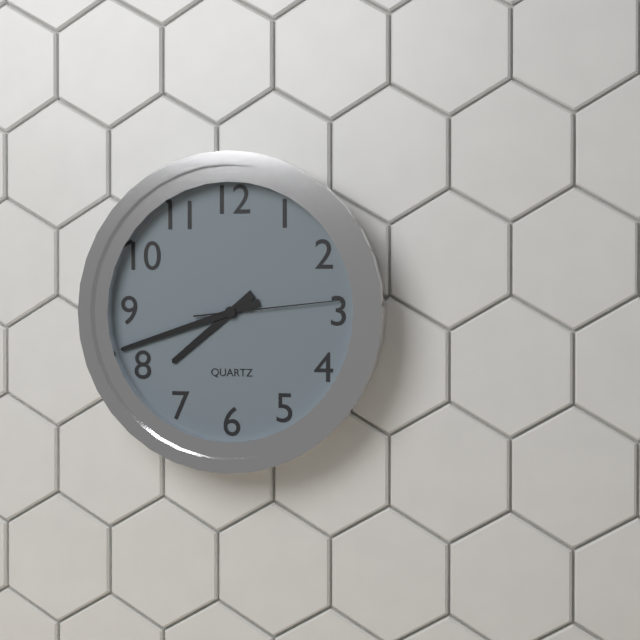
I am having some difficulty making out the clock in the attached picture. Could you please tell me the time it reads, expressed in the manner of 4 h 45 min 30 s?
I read 7 h 42 min 14 s
